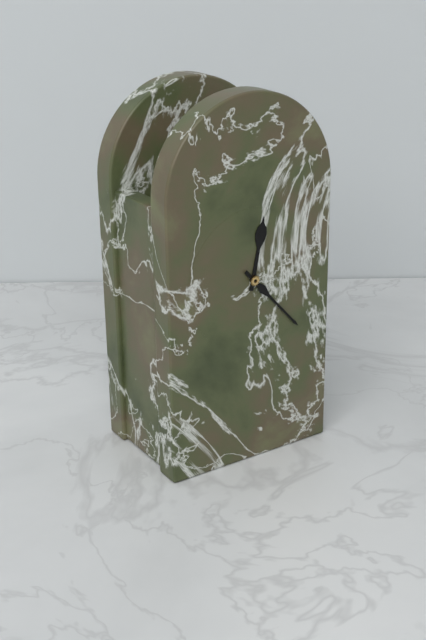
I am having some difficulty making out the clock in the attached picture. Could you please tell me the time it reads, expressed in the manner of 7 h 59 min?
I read 12 h 23 min
